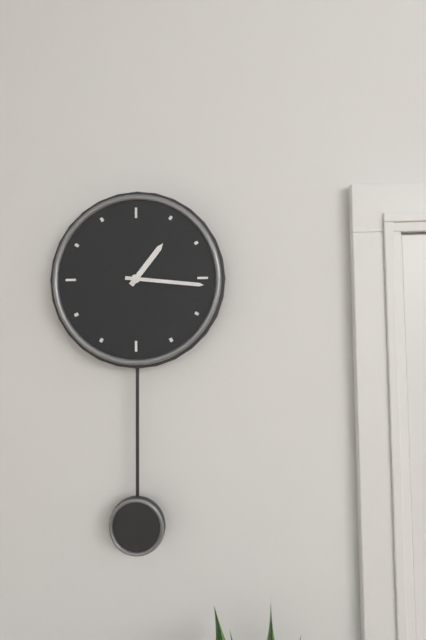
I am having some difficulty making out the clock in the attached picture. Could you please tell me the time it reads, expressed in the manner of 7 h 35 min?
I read 1 h 16 min
